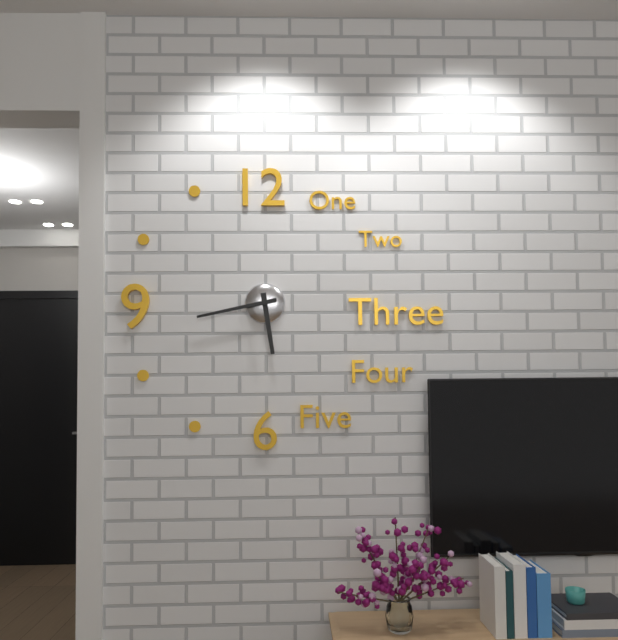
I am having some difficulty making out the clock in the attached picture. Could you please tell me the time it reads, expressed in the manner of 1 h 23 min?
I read 5 h 43 min
